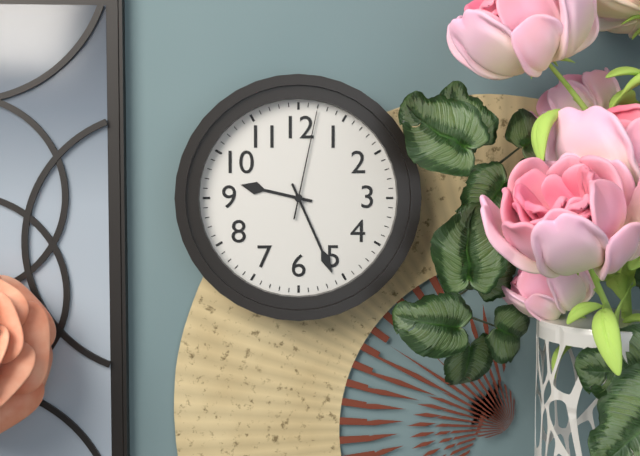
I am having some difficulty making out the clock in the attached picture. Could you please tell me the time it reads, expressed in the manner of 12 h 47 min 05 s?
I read 9 h 26 min 02 s
